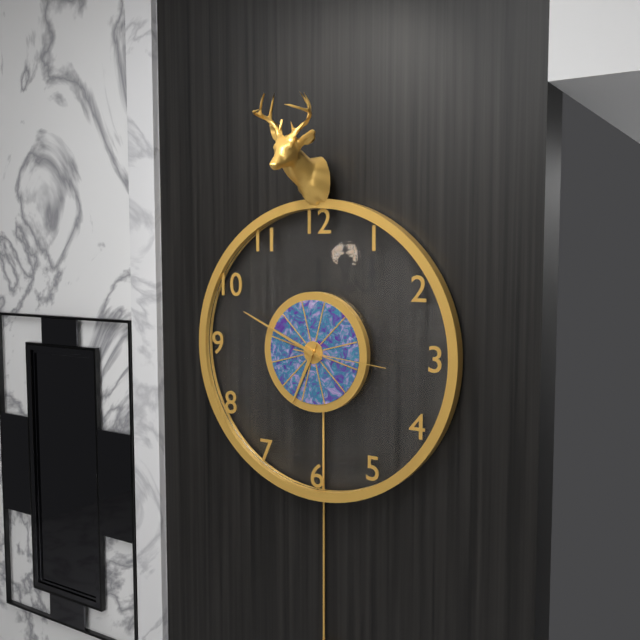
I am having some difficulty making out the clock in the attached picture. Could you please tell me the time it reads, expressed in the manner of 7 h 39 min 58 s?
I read 6 h 49 min 16 s
